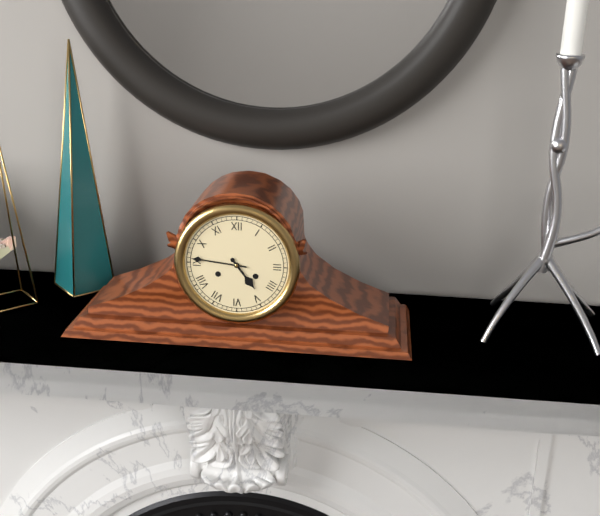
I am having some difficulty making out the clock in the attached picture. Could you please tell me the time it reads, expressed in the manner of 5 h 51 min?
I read 4 h 46 min
